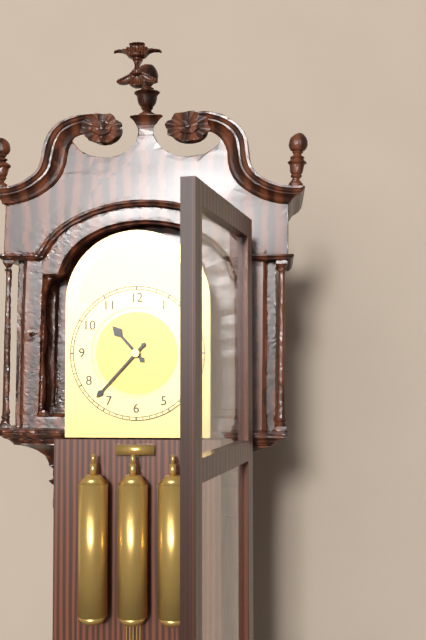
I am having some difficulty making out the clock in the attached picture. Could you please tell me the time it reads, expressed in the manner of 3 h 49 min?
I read 10 h 37 min
